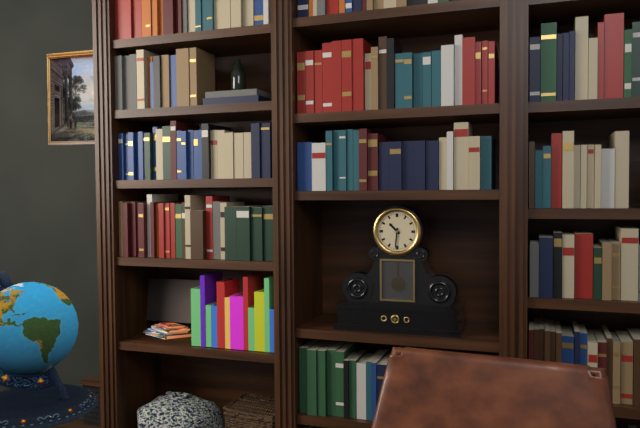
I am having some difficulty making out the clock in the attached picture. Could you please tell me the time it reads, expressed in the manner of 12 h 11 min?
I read 10 h 31 min
